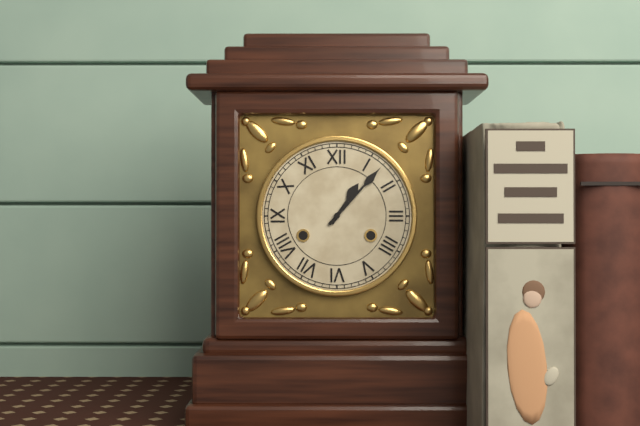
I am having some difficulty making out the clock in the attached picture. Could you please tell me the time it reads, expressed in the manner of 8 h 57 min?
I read 1 h 07 min
